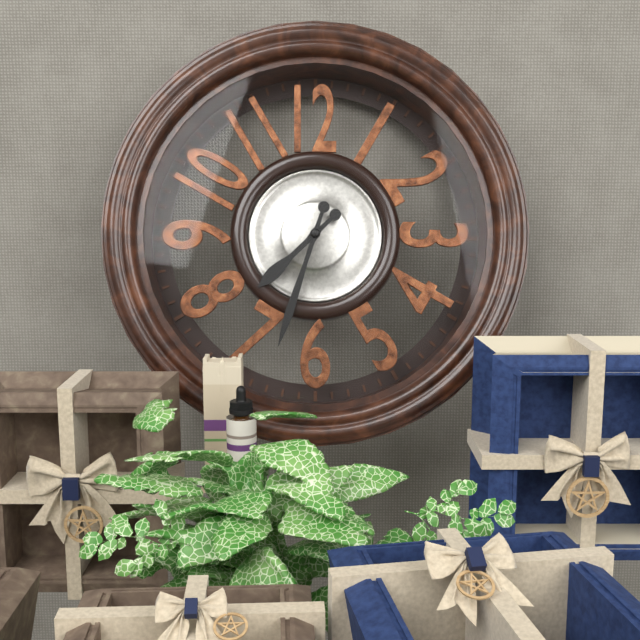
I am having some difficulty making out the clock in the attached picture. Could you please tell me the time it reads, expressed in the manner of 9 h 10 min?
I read 7 h 33 min
